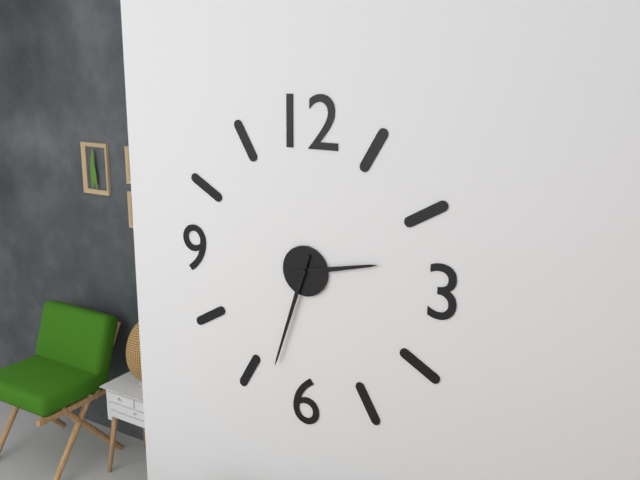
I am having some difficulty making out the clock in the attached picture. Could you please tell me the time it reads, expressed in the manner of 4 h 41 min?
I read 2 h 33 min
